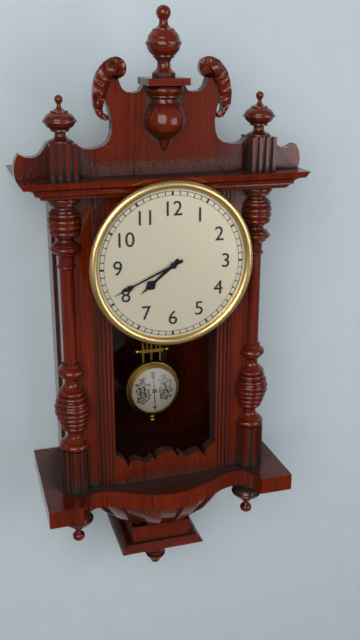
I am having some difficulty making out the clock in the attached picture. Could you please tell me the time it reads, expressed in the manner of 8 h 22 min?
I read 7 h 41 min
